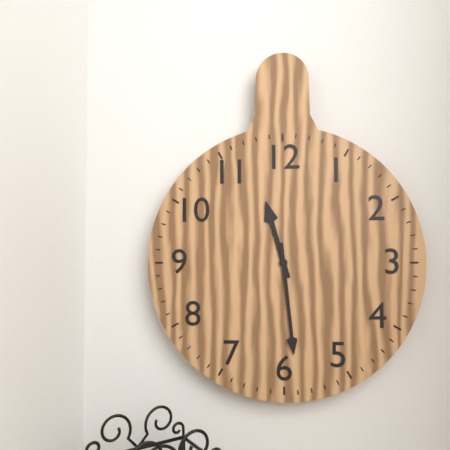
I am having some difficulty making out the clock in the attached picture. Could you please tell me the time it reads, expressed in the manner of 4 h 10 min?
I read 11 h 29 min
